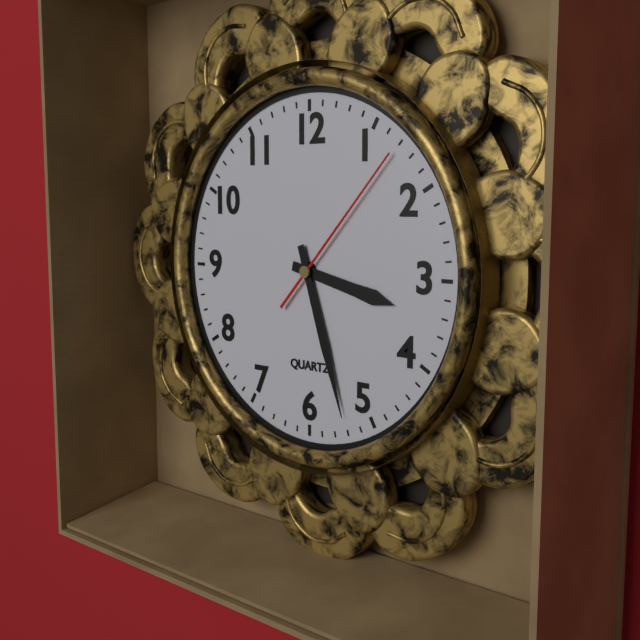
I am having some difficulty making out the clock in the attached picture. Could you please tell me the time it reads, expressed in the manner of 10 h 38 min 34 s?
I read 3 h 27 min 07 s
